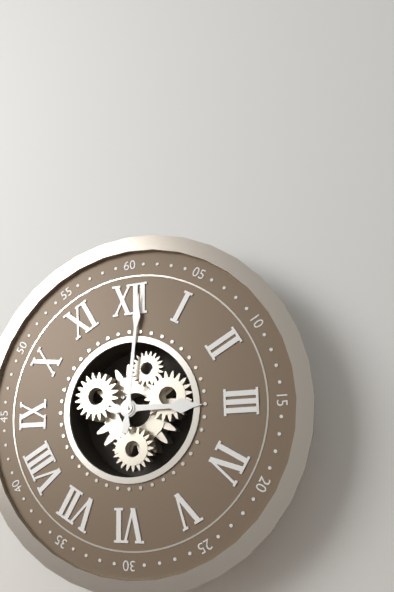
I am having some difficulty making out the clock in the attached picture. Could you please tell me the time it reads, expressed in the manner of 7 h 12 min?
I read 3 h 01 min
